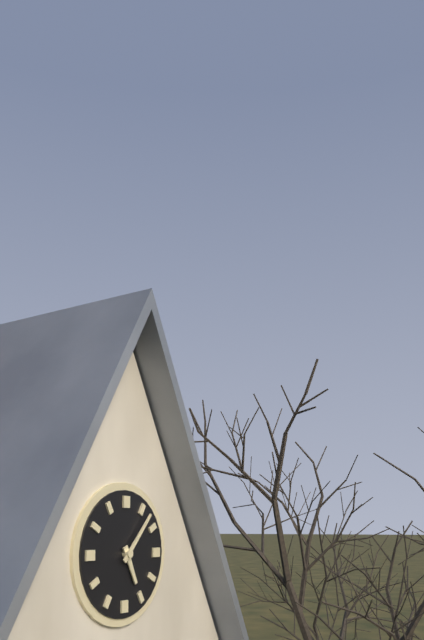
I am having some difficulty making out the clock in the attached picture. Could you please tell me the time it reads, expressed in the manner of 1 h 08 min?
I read 5 h 07 min
